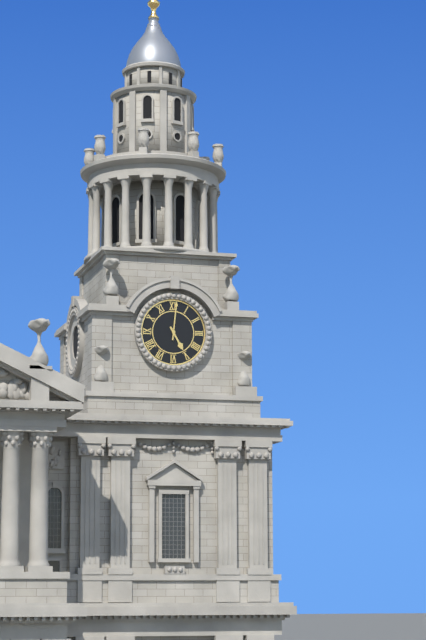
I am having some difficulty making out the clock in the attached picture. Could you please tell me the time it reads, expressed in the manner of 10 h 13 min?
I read 5 h 01 min
